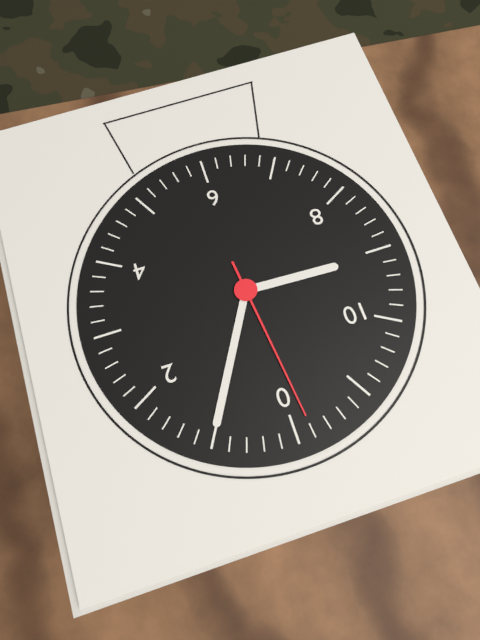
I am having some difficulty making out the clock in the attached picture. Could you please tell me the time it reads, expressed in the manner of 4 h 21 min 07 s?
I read 9 h 05 min 59 s
